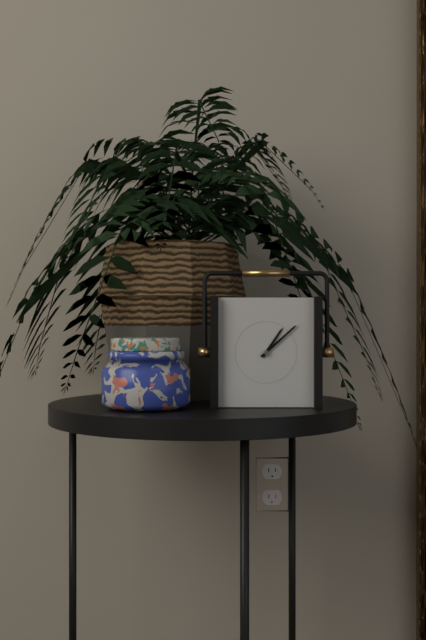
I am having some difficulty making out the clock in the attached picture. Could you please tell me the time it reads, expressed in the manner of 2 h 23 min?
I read 1 h 08 min
